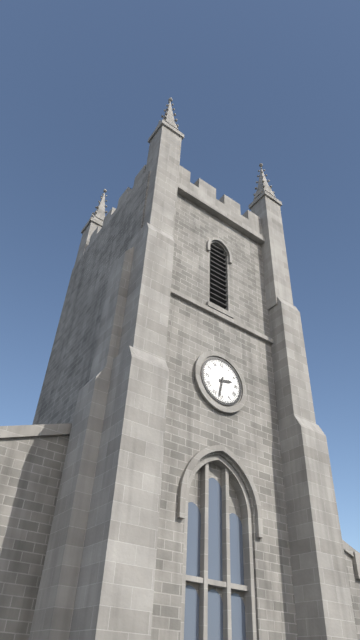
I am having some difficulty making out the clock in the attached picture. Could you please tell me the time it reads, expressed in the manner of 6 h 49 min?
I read 2 h 32 min
